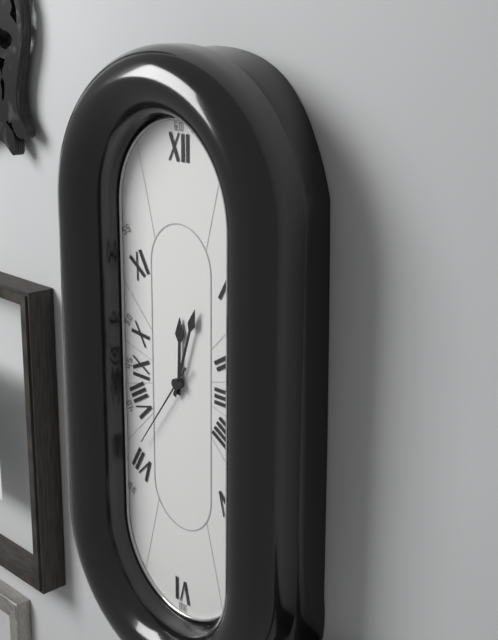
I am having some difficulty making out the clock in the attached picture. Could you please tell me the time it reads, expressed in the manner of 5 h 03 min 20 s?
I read 12 h 03 min 36 s
